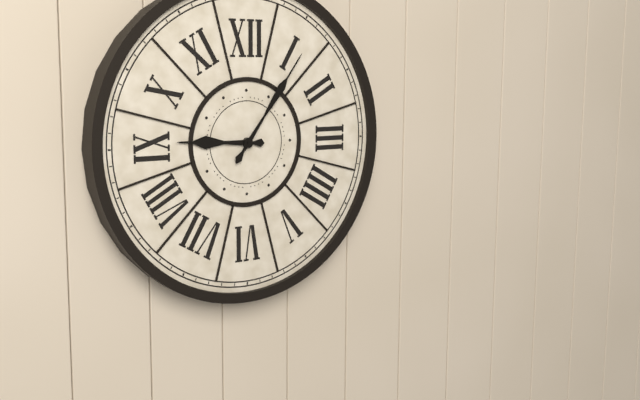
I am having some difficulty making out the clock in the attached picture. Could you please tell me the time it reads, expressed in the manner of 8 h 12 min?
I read 9 h 06 min
